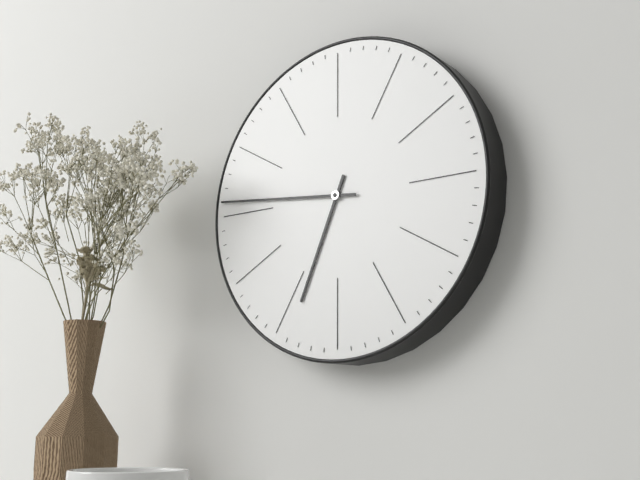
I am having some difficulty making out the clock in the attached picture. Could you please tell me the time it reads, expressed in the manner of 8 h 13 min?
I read 6 h 46 min
